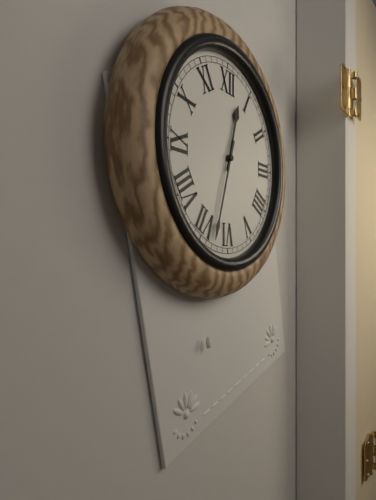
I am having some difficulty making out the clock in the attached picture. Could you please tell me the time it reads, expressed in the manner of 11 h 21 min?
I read 12 h 33 min
